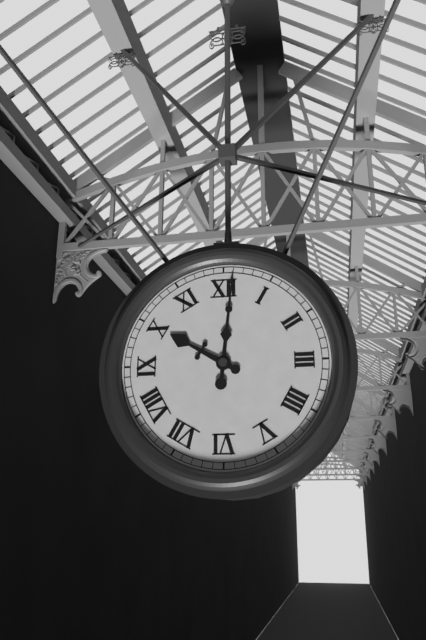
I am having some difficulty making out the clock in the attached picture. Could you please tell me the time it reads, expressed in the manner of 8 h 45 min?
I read 10 h 01 min
